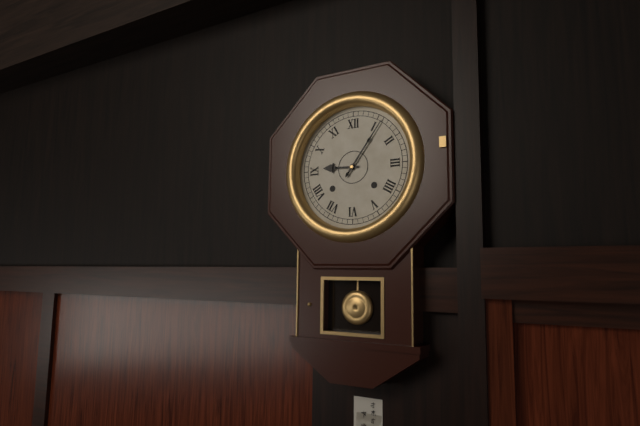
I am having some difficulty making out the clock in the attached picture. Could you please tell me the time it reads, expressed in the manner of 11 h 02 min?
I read 9 h 06 min
